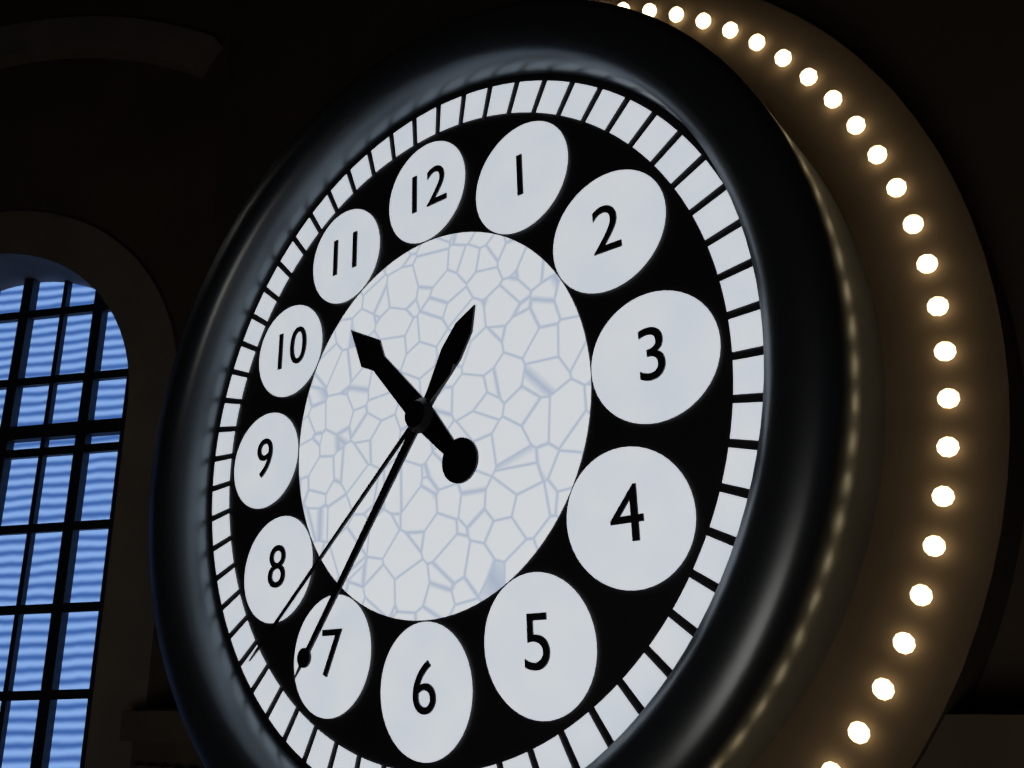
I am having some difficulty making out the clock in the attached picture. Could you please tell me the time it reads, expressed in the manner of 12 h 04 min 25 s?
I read 10 h 36 min 38 s
